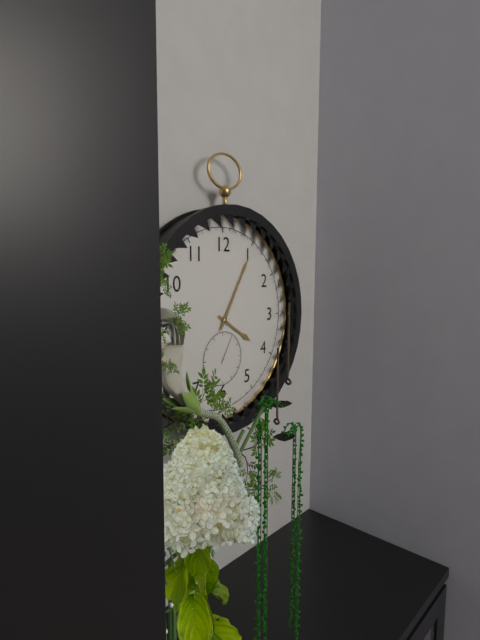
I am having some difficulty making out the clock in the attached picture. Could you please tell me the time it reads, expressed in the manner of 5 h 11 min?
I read 4 h 05 min
